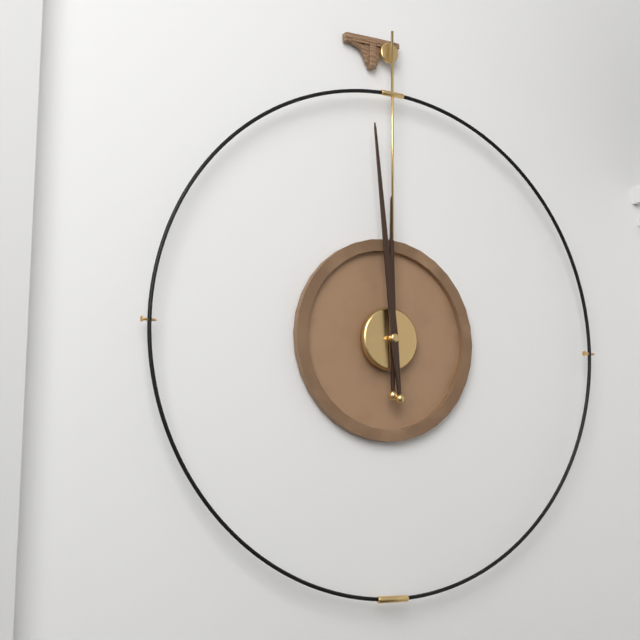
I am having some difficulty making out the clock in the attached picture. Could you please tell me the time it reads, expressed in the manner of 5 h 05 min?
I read 11 h 59 min
